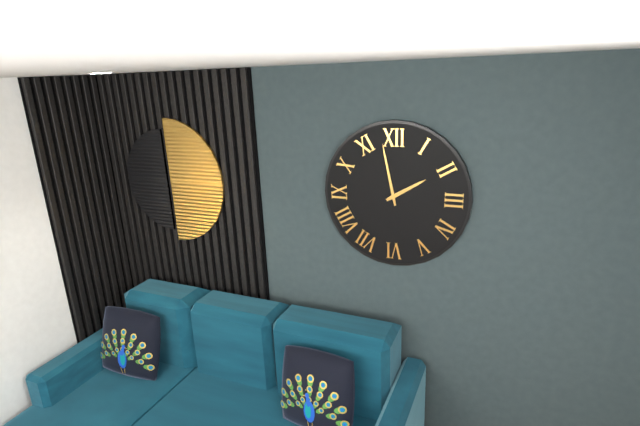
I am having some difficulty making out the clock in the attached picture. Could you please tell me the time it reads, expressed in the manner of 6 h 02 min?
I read 1 h 58 min
